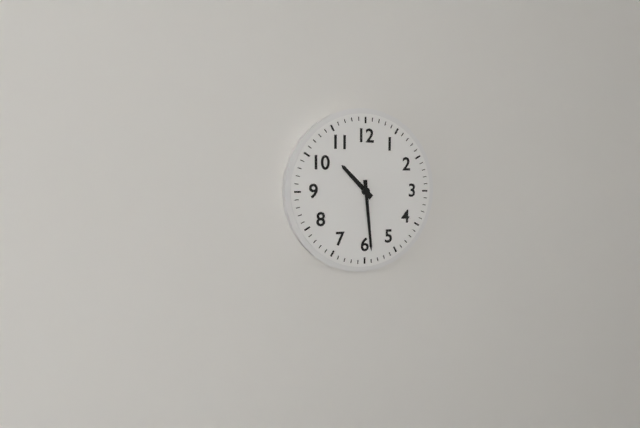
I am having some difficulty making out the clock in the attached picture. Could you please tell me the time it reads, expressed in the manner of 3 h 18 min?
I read 10 h 29 min
